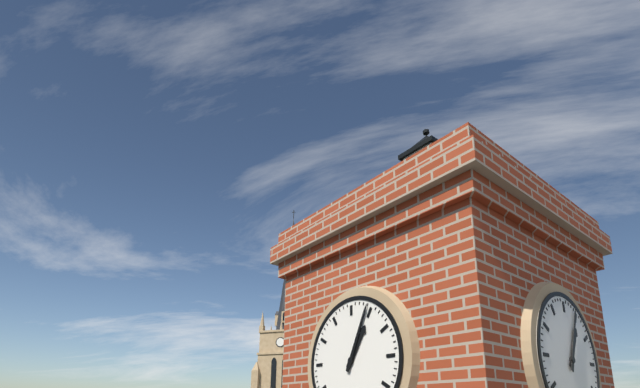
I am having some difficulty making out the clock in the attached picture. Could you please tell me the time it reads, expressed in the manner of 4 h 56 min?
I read 1 h 04 min
